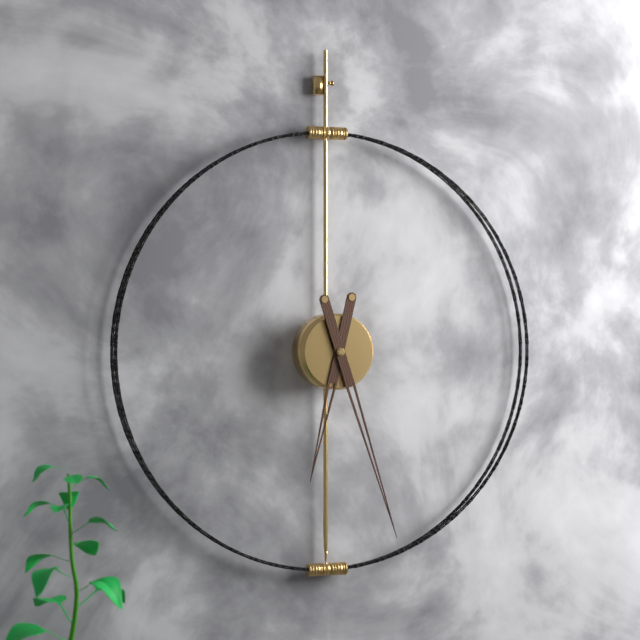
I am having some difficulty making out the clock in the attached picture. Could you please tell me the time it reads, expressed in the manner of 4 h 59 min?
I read 6 h 27 min
